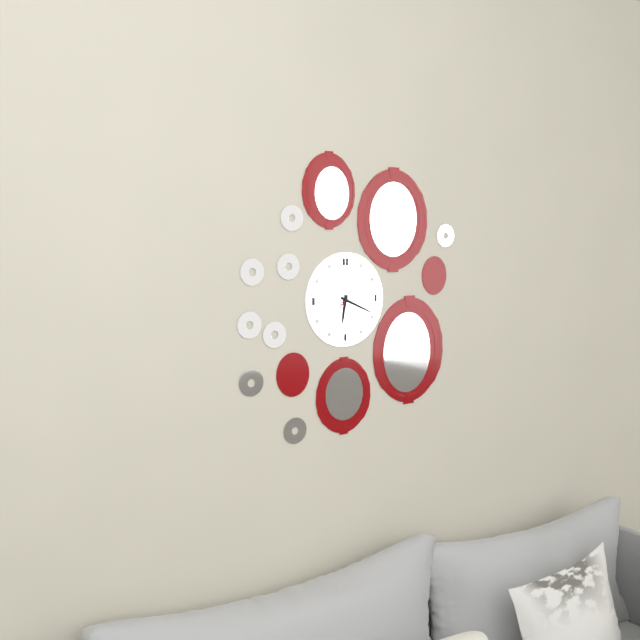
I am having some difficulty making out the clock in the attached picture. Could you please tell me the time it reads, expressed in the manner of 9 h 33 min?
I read 6 h 19 min
